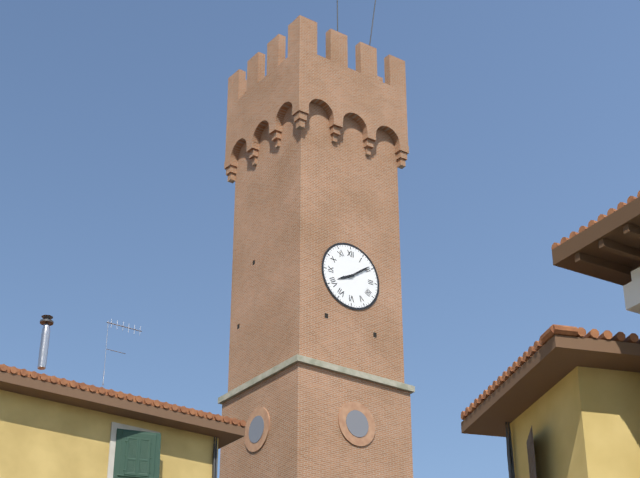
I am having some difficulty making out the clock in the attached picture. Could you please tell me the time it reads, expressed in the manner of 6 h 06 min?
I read 8 h 09 min
